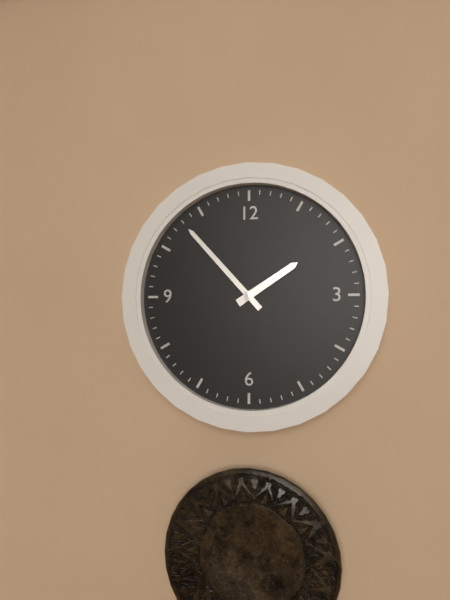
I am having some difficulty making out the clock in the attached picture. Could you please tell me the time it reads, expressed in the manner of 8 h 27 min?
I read 1 h 53 min
